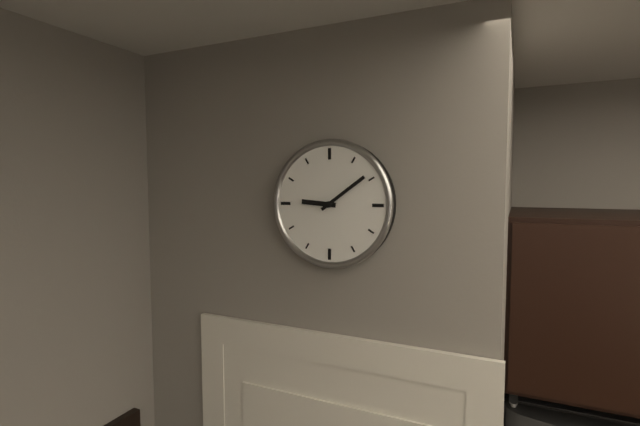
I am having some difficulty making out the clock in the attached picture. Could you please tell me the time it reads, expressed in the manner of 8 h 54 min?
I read 9 h 09 min
